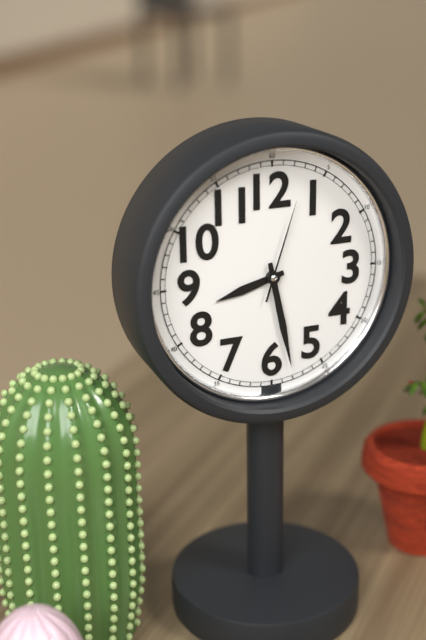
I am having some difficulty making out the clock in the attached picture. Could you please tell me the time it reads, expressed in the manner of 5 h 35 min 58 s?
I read 8 h 28 min 03 s
